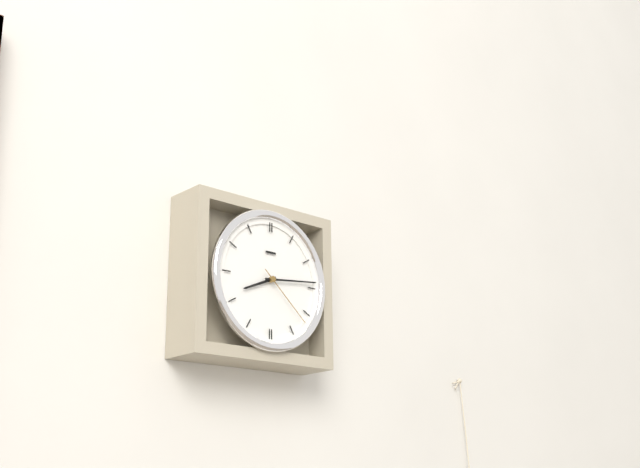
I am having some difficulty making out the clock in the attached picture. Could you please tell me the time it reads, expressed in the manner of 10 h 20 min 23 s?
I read 8 h 14 min 22 s
